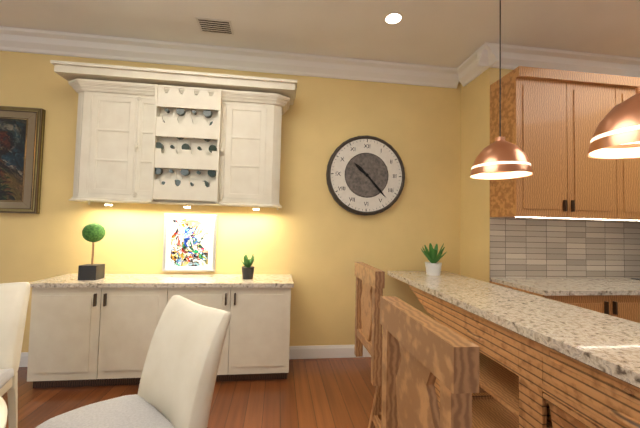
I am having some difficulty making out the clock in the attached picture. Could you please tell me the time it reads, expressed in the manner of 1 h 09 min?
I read 10 h 23 min
